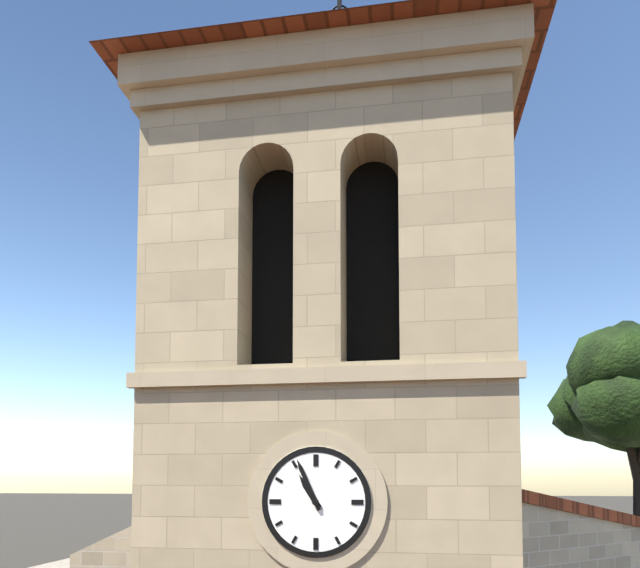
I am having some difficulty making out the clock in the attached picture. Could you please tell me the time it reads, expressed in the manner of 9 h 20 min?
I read 10 h 56 min
